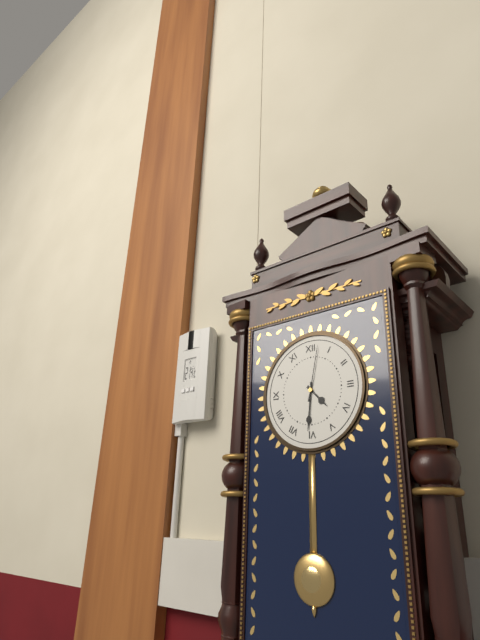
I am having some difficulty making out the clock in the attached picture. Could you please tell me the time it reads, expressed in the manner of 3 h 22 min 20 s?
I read 4 h 31 min 02 s
